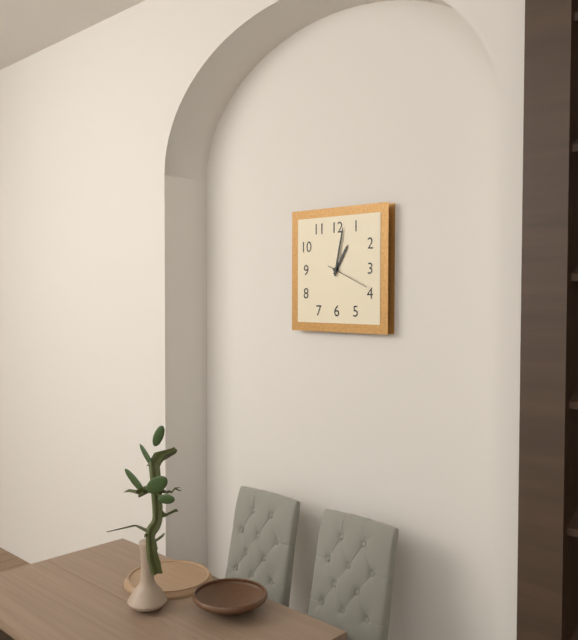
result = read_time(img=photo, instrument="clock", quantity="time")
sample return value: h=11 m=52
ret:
h=1 m=2
